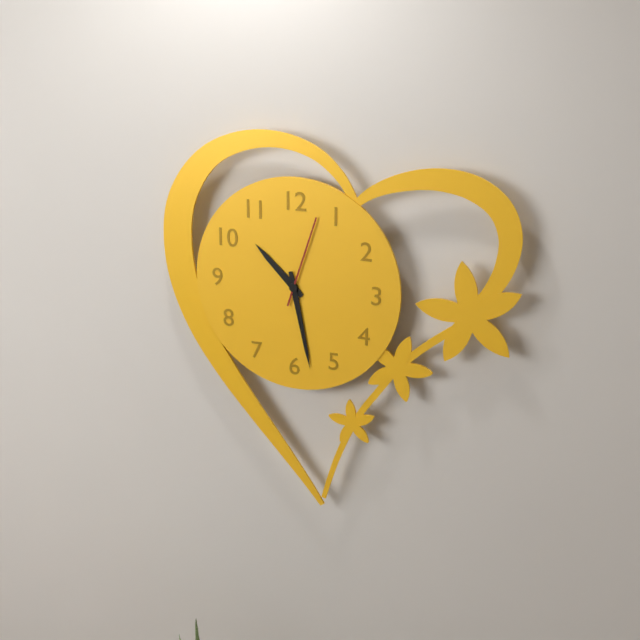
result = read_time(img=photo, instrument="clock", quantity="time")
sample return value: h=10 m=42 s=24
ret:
h=10 m=28 s=3
